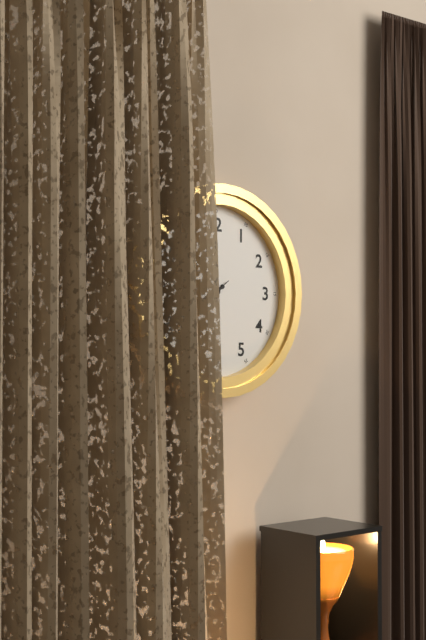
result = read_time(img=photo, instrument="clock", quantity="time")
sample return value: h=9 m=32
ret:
h=8 m=0
